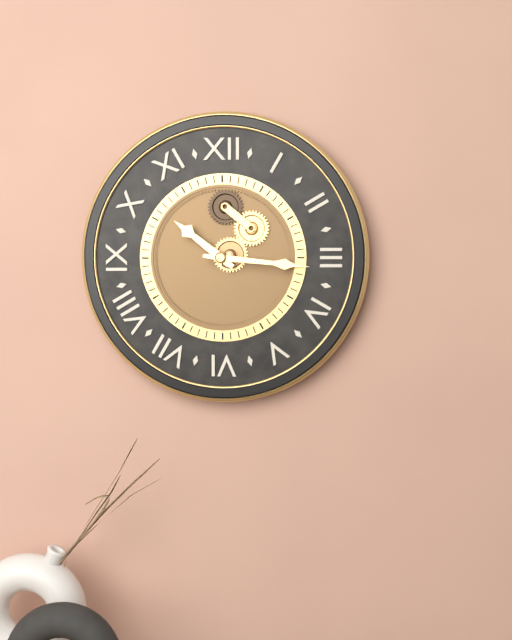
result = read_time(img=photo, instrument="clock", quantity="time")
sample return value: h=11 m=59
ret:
h=10 m=16
